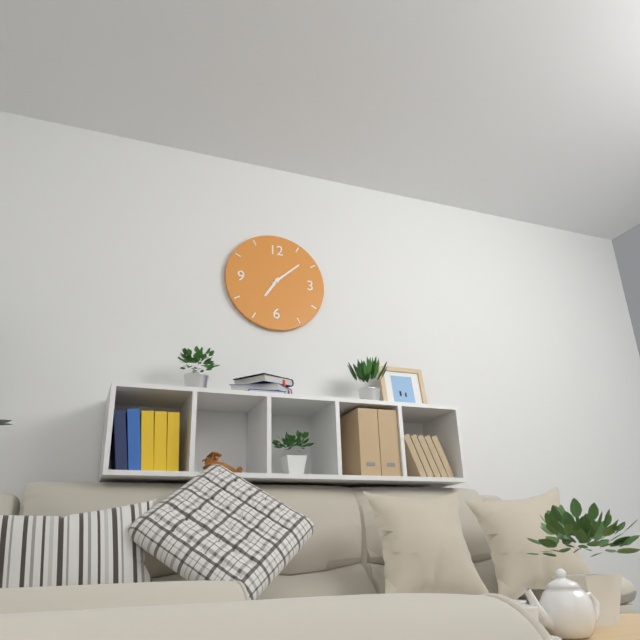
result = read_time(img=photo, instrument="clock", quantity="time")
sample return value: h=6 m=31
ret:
h=7 m=8
